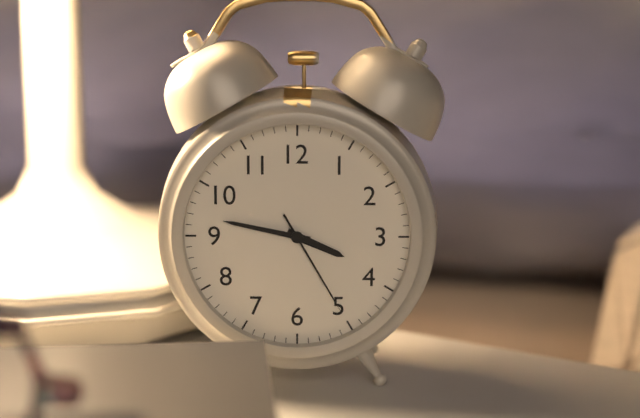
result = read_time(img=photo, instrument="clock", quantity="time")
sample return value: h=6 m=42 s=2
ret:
h=3 m=47 s=25
